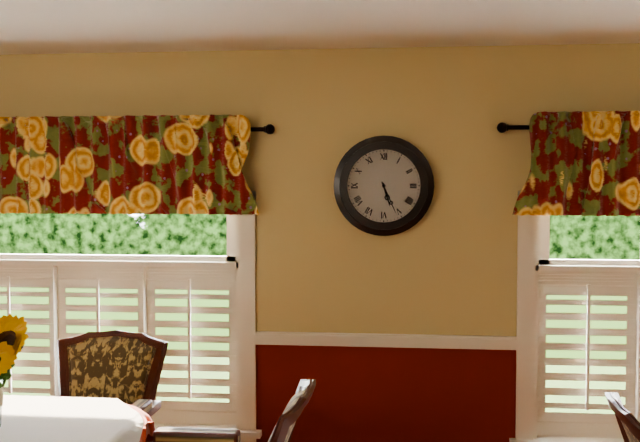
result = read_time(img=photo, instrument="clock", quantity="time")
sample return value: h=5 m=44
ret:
h=5 m=26
